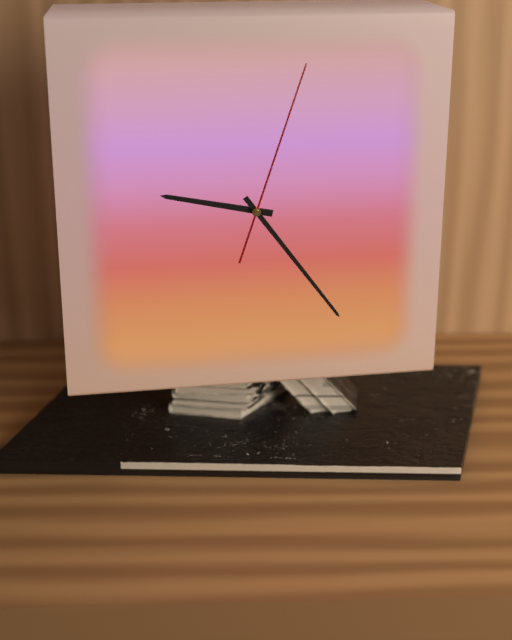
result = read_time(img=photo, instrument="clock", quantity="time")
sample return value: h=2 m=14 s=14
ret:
h=9 m=24 s=3
